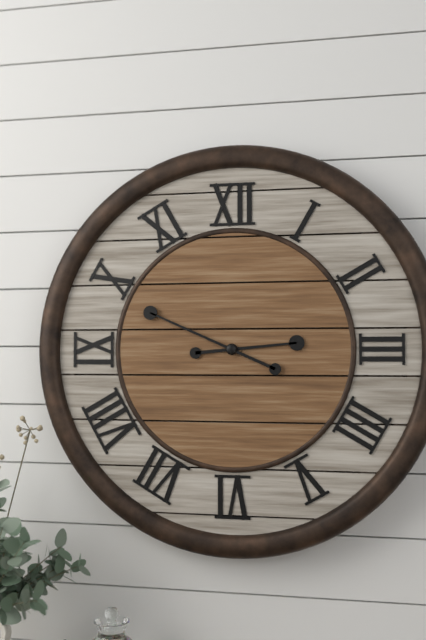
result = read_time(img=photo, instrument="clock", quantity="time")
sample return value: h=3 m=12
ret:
h=2 m=49
